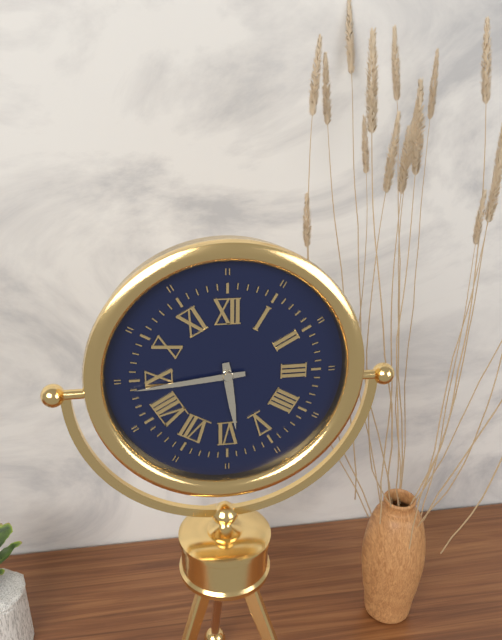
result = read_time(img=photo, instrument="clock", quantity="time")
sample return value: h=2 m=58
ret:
h=5 m=44
